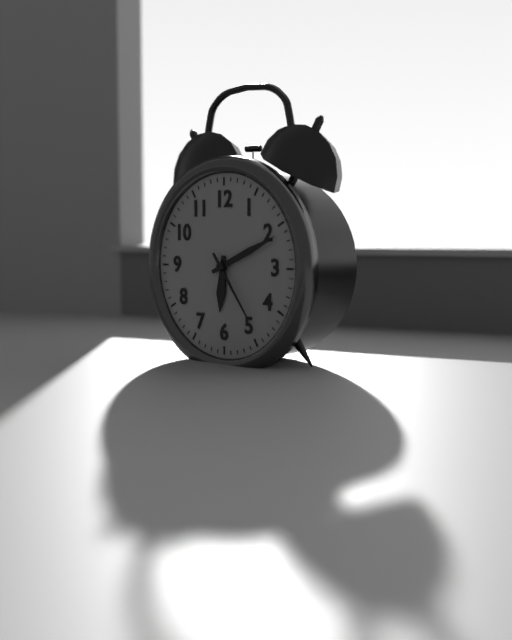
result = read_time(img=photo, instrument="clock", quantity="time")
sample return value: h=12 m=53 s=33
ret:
h=6 m=11 s=24
